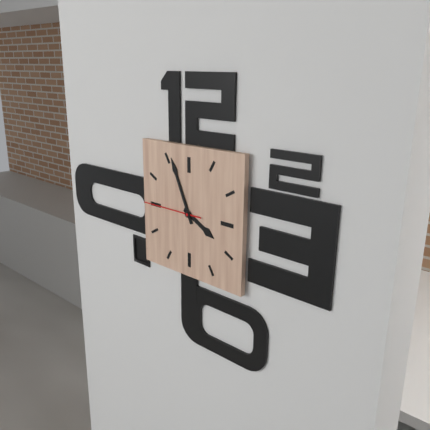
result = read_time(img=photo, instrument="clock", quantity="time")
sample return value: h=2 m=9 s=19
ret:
h=3 m=56 s=45
